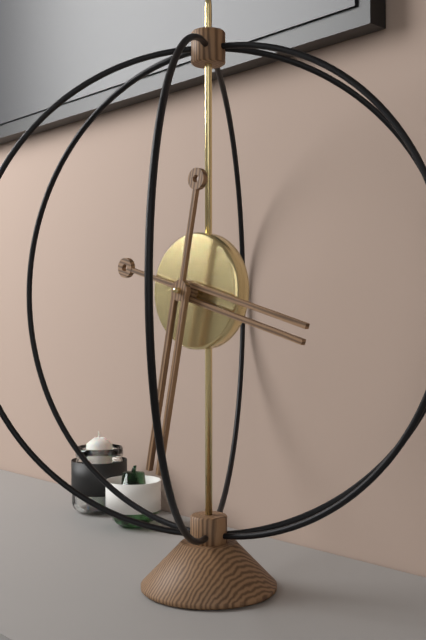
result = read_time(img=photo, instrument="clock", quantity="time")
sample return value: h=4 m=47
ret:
h=3 m=32
